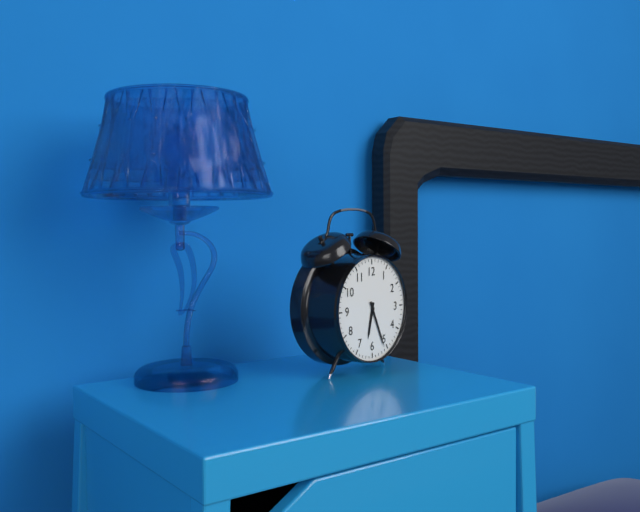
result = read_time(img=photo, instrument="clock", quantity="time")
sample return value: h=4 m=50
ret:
h=6 m=26
